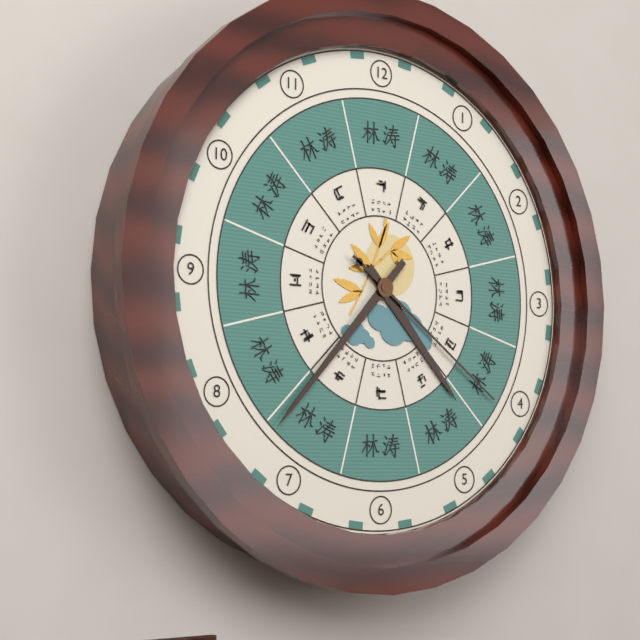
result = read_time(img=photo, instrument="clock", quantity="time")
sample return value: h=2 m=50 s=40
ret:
h=4 m=37 s=21
